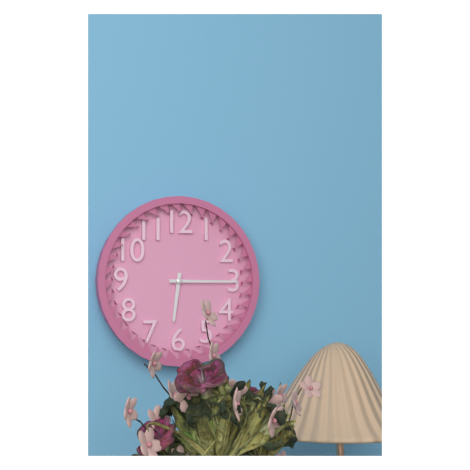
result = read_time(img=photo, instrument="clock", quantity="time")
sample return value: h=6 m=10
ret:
h=6 m=15
